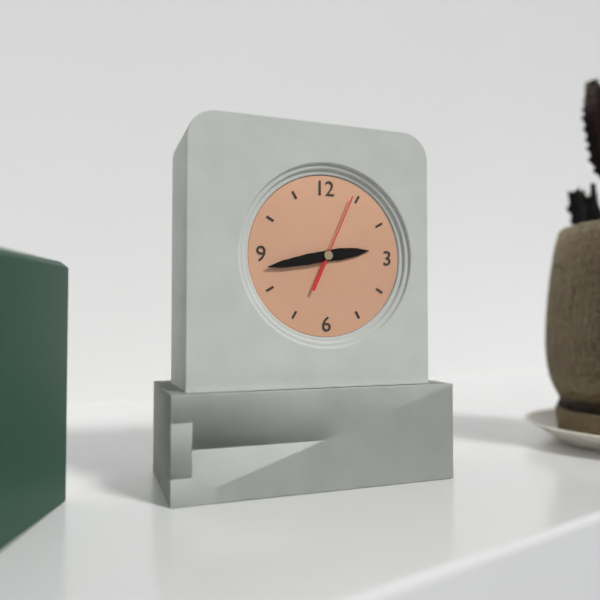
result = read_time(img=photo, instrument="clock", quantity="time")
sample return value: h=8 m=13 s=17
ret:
h=2 m=43 s=4
